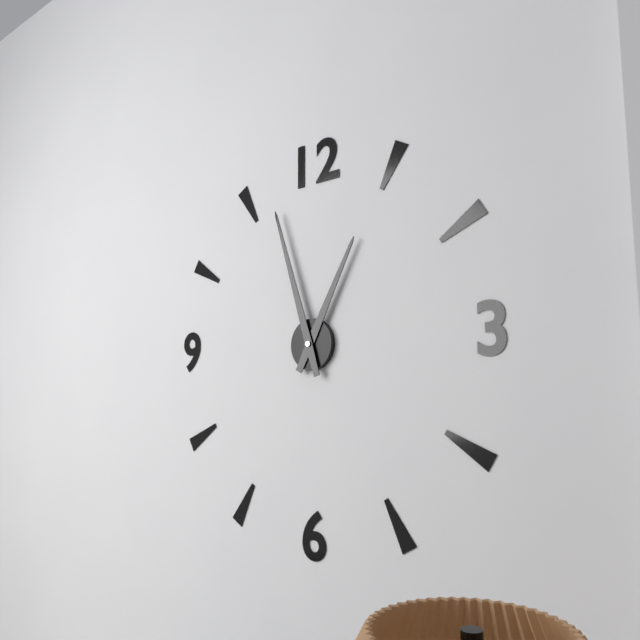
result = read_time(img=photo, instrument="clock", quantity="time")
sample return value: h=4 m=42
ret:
h=12 m=57
